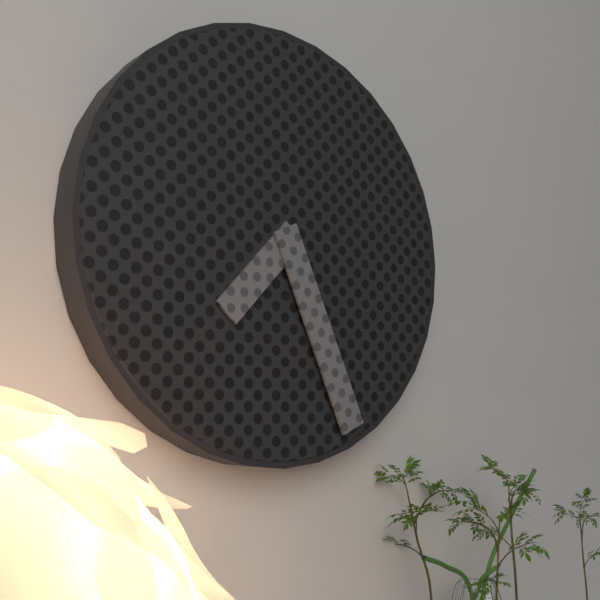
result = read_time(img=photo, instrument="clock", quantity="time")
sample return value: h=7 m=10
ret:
h=7 m=26
